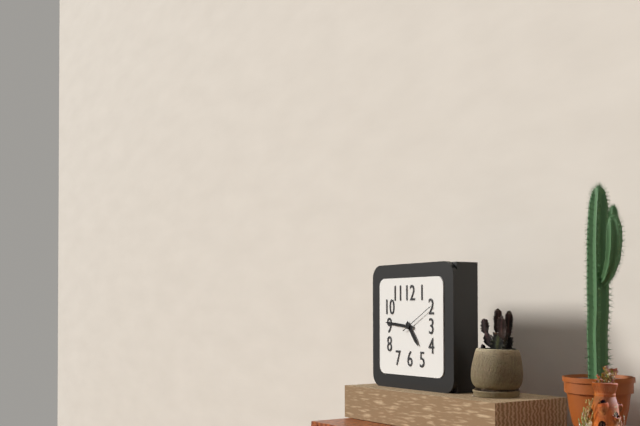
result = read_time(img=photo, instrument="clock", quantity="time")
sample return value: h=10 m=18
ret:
h=4 m=46
